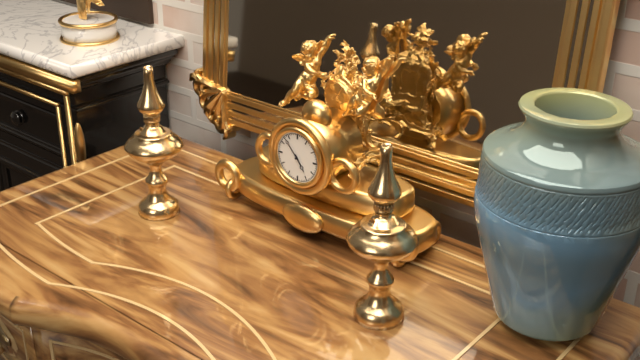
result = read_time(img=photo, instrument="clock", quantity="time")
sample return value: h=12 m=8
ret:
h=4 m=53
